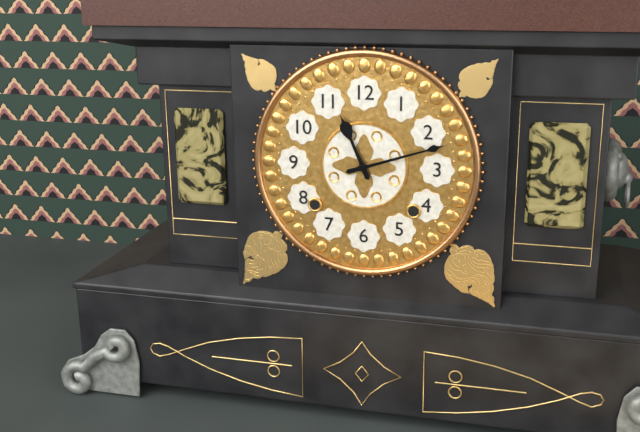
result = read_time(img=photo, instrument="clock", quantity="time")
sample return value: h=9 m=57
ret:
h=11 m=12
